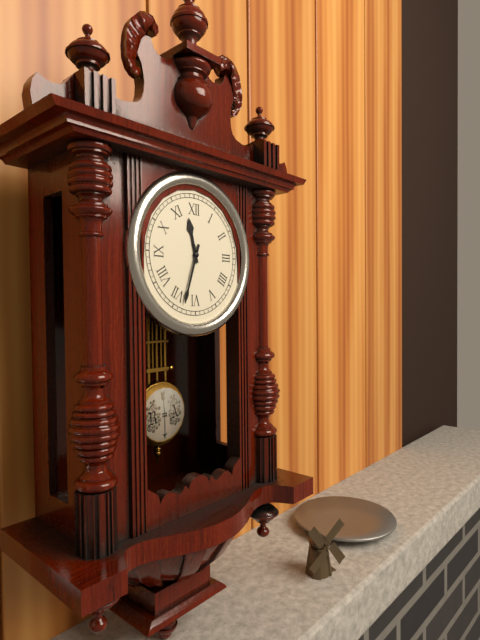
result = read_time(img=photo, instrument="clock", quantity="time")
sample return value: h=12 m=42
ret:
h=11 m=33
